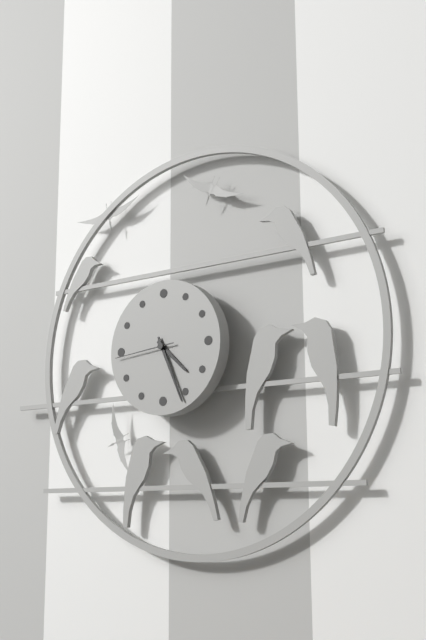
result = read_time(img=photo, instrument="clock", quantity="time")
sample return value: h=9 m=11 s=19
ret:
h=4 m=26 s=44
